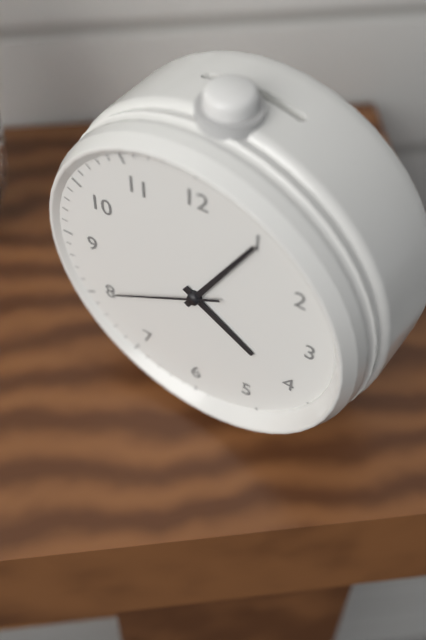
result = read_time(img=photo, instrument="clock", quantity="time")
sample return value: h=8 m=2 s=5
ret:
h=4 m=5 s=40
